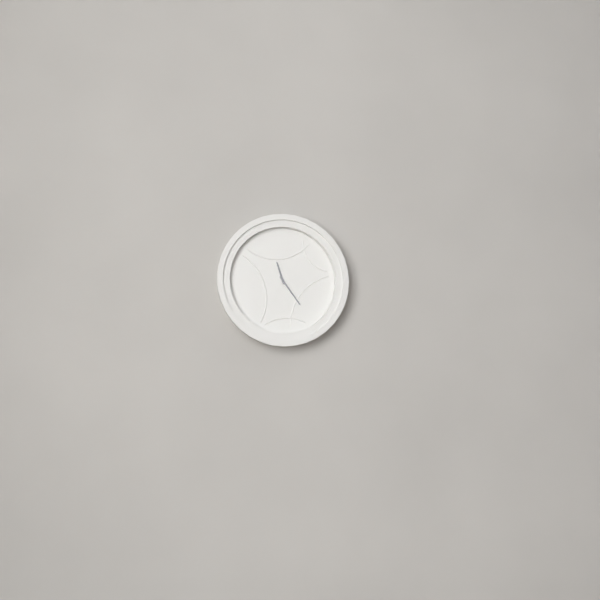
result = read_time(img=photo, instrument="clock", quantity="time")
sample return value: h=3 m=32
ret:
h=11 m=24
